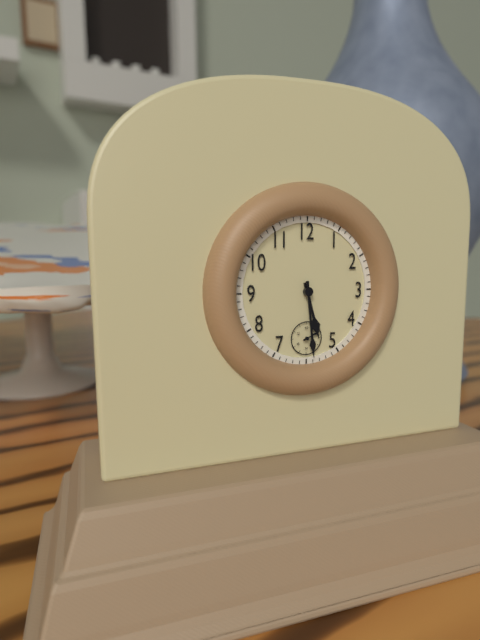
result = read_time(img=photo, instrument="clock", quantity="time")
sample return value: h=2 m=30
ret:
h=5 m=29
